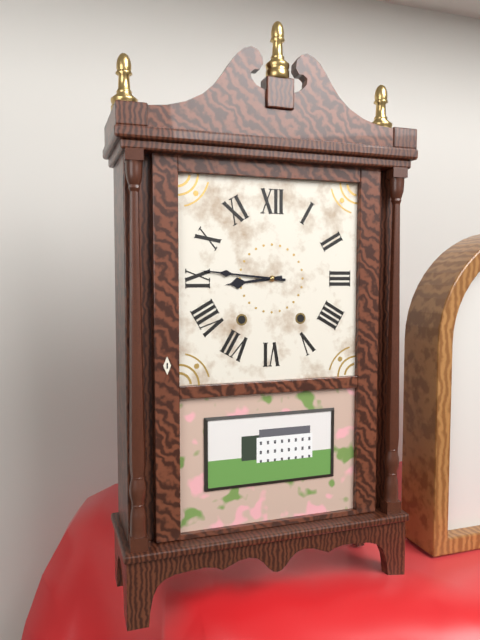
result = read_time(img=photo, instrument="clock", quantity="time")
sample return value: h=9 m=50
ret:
h=8 m=46
